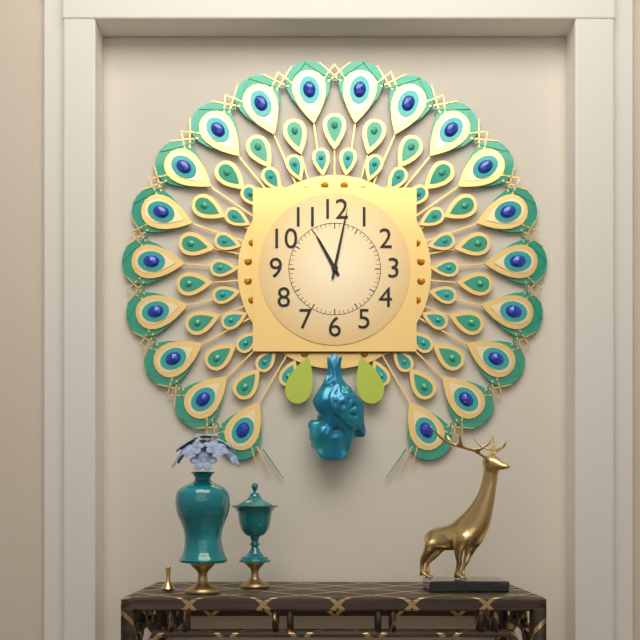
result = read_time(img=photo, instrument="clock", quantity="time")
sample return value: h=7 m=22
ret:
h=11 m=2
